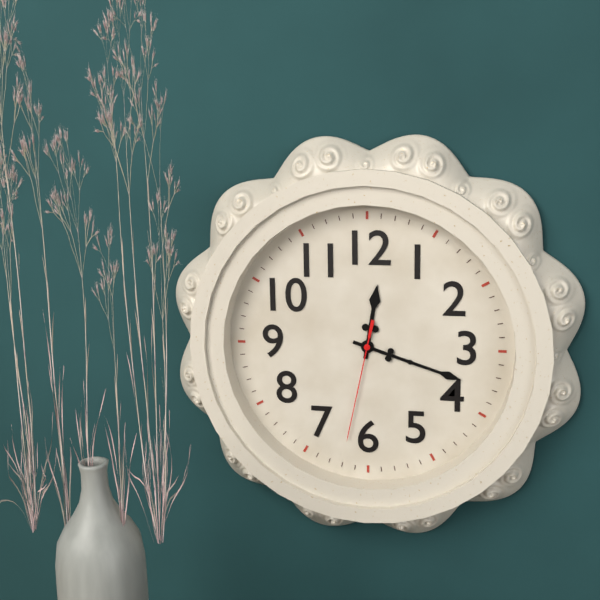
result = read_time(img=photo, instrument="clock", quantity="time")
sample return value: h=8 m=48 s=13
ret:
h=12 m=18 s=32
